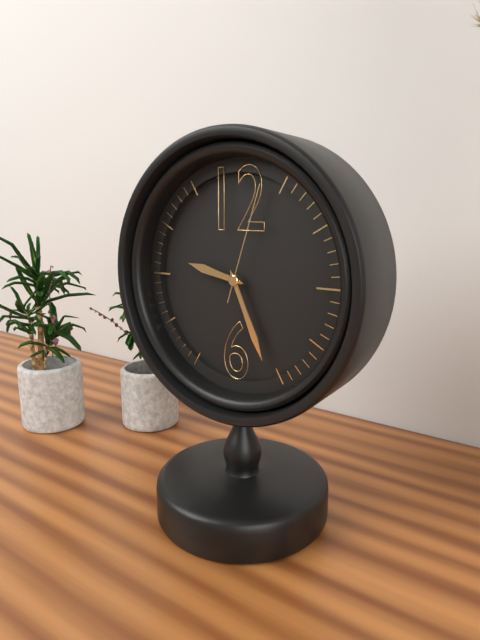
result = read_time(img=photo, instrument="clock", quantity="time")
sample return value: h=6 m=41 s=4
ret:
h=9 m=26 s=3
